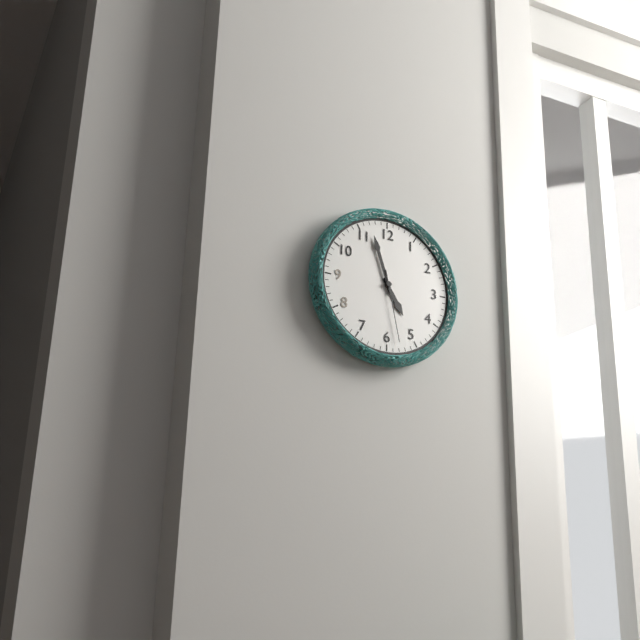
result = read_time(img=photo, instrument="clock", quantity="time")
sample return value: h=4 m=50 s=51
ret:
h=4 m=57 s=28
